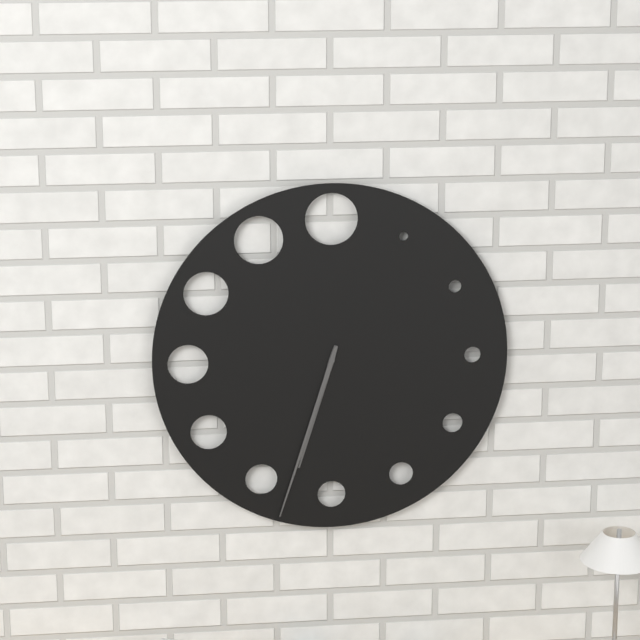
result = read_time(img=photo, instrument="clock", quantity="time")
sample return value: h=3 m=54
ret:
h=6 m=33
